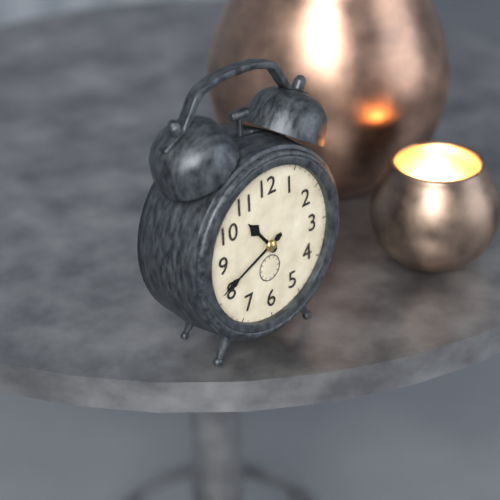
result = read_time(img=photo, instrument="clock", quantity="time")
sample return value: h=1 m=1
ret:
h=10 m=41
